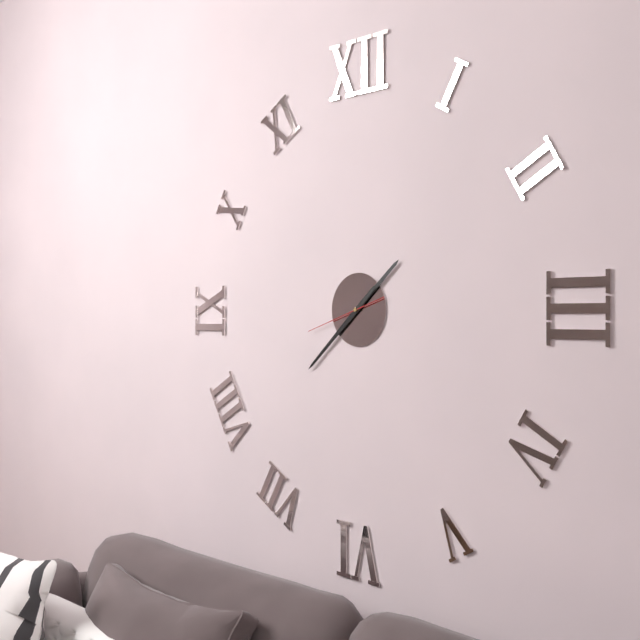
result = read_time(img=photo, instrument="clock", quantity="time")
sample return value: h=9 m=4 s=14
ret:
h=1 m=38 s=42
